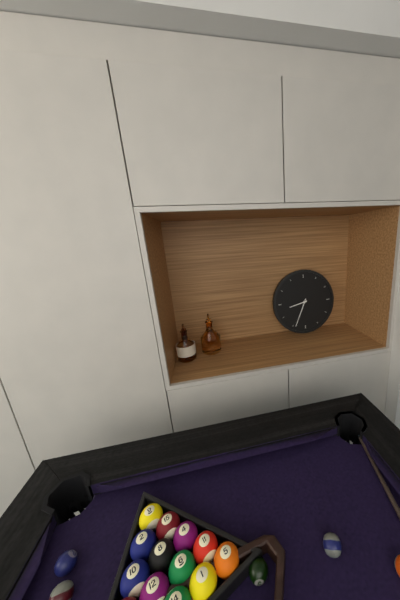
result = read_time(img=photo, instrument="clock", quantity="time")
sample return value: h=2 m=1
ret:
h=8 m=34
